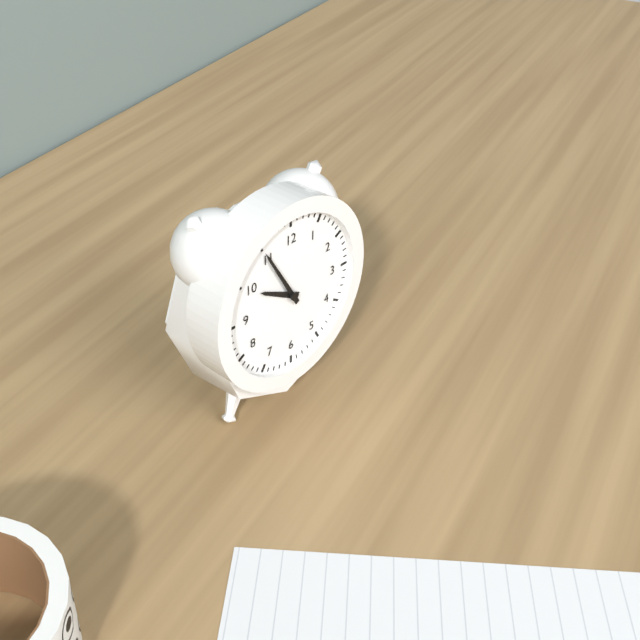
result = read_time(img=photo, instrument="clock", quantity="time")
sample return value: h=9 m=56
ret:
h=9 m=55
